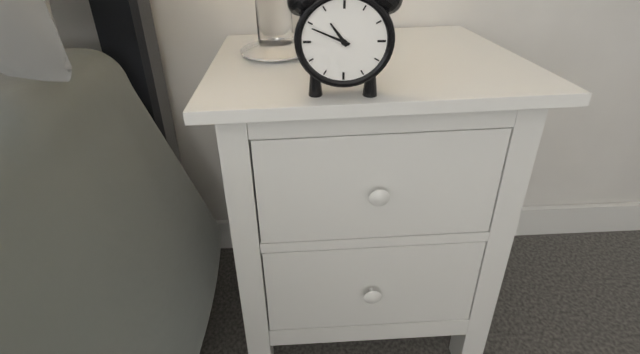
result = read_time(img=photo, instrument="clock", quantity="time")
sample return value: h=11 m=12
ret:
h=10 m=49
